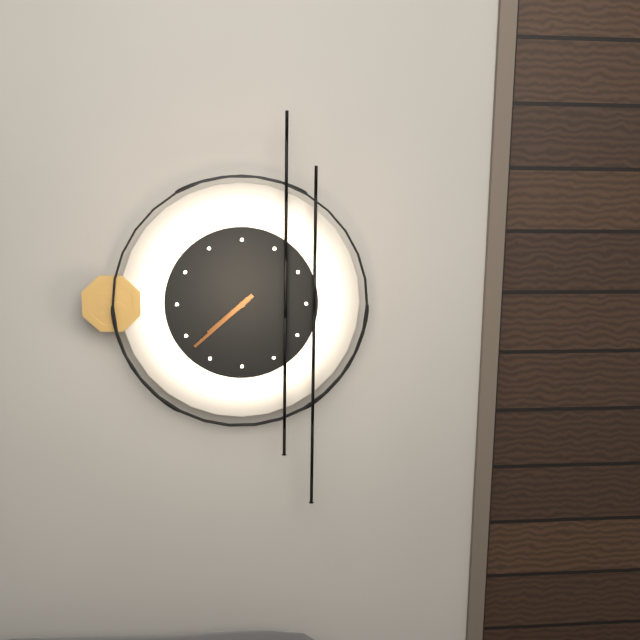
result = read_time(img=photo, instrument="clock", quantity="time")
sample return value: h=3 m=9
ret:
h=7 m=38
